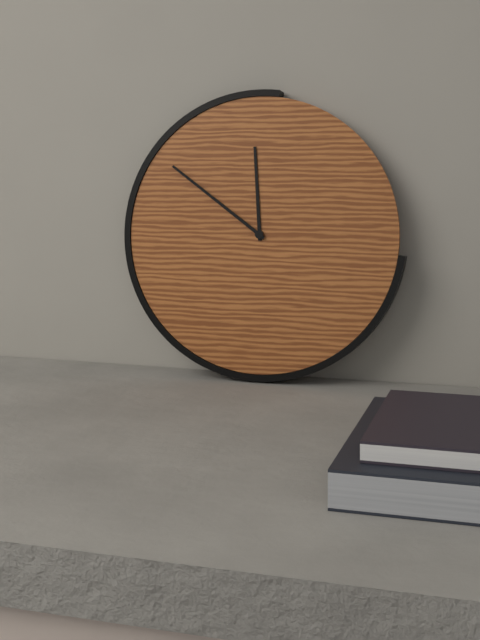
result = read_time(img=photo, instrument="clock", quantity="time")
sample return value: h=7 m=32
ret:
h=11 m=51
